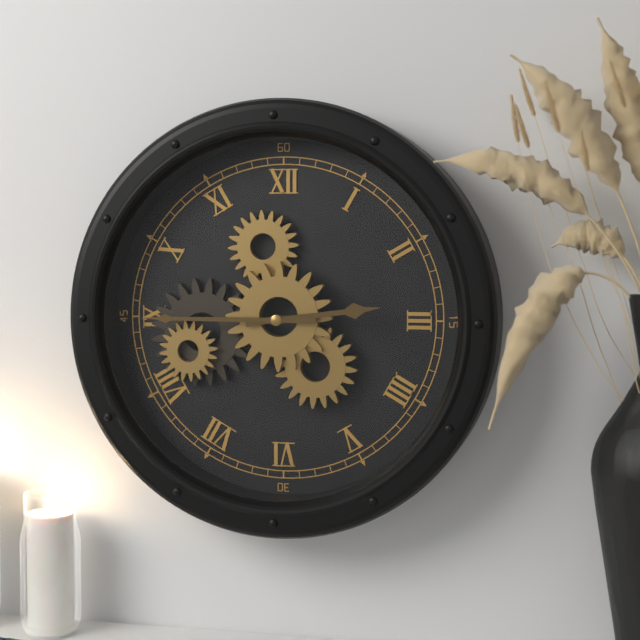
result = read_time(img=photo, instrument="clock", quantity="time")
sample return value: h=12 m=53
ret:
h=2 m=45
